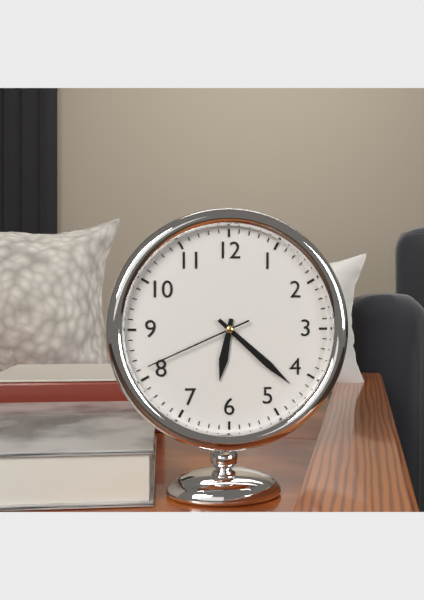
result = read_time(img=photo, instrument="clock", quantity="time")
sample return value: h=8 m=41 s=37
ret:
h=6 m=22 s=41
